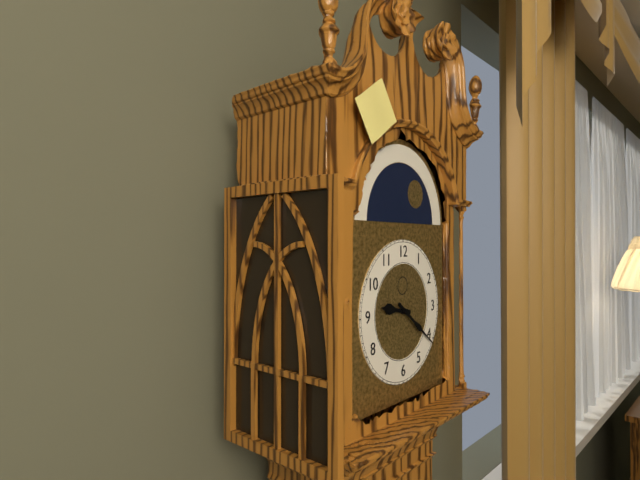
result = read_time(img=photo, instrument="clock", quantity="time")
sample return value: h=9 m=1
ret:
h=9 m=21
